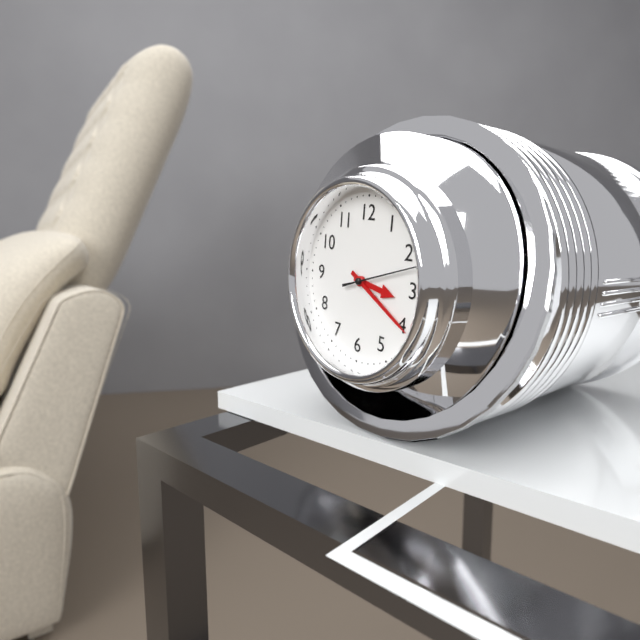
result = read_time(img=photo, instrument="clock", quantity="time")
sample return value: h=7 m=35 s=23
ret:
h=3 m=20 s=12
